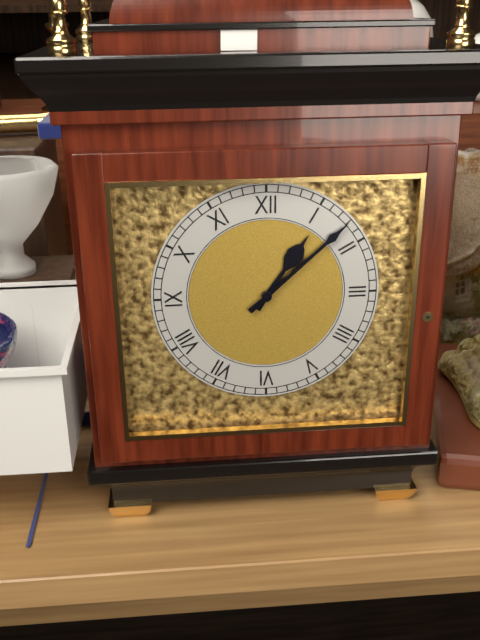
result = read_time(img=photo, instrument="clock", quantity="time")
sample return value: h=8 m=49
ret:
h=1 m=8
